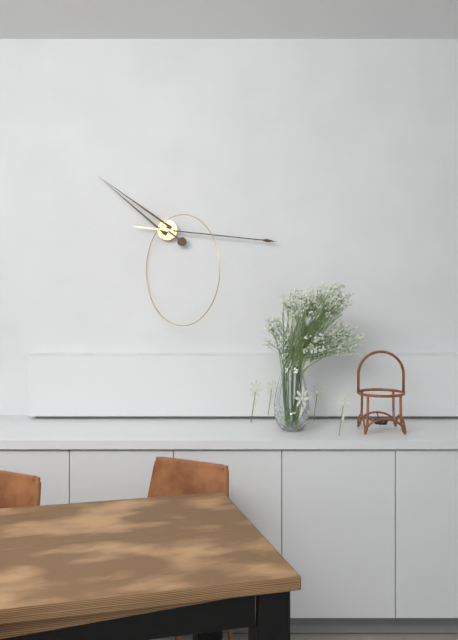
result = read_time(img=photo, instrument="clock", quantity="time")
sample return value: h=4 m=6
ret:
h=10 m=16
